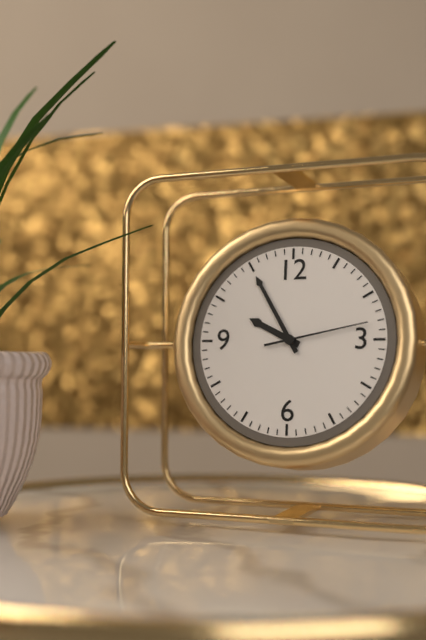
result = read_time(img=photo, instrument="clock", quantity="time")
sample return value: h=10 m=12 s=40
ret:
h=9 m=55 s=13
